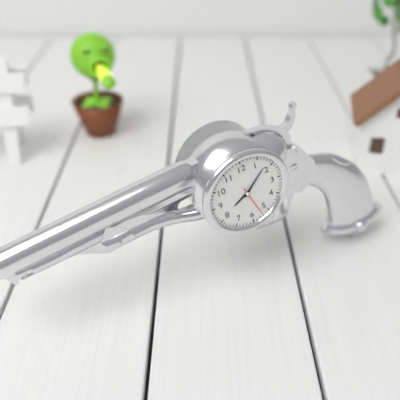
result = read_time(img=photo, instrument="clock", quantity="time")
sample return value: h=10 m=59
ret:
h=8 m=8
